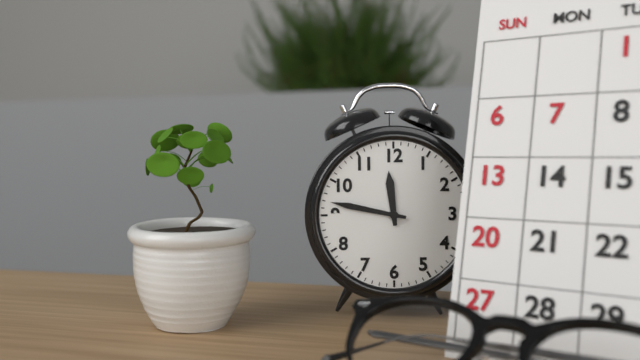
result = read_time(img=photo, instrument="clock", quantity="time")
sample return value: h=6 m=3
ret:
h=11 m=47
